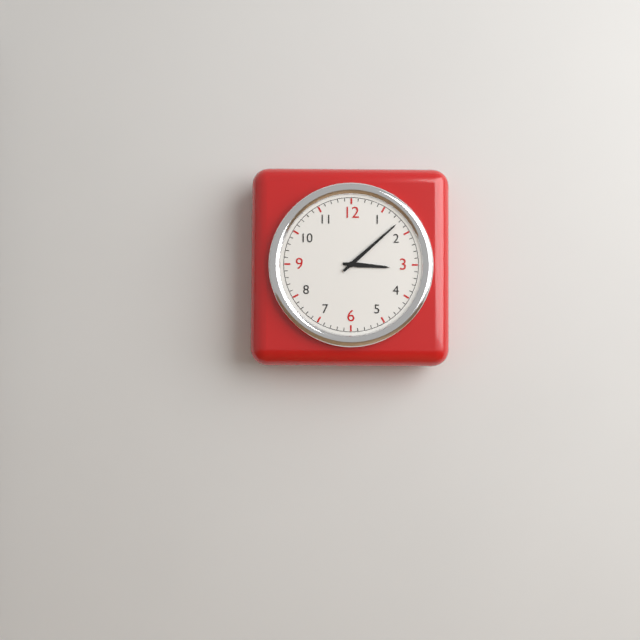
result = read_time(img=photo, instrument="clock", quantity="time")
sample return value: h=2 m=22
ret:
h=3 m=8
